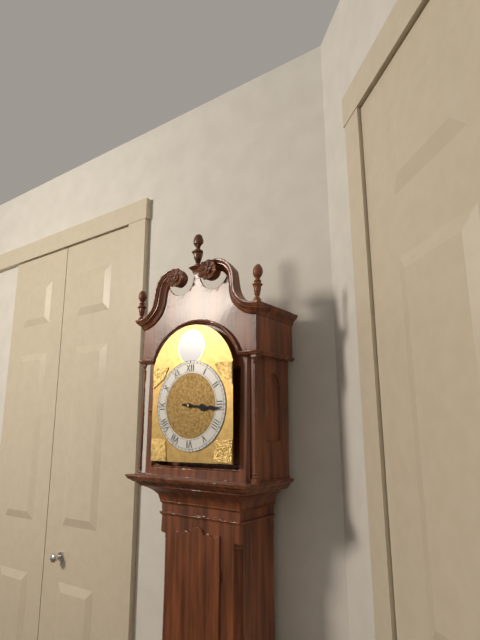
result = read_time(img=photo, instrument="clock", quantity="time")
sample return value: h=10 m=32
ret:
h=3 m=16
